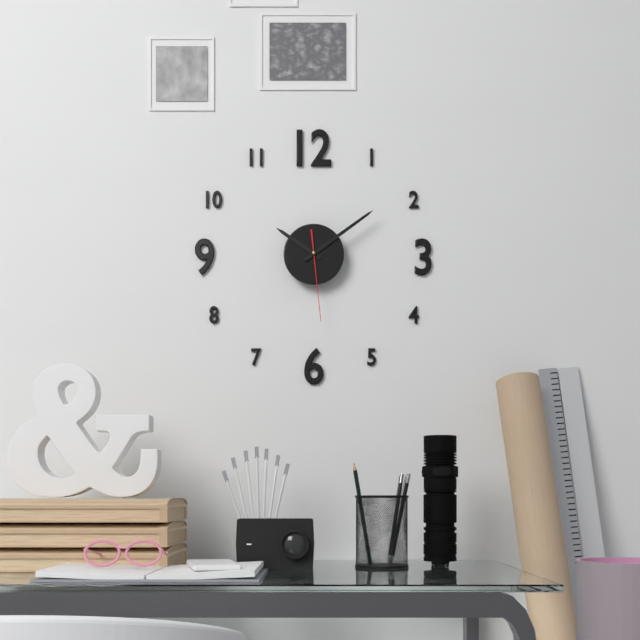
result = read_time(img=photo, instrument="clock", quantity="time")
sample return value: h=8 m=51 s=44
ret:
h=10 m=9 s=29
